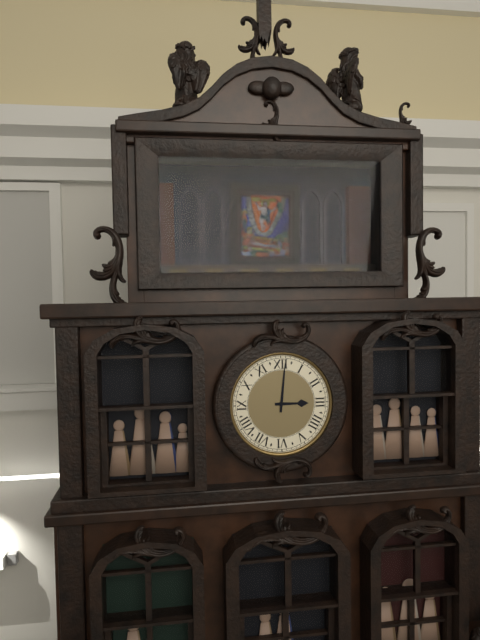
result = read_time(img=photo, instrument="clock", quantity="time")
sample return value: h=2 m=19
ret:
h=3 m=1
